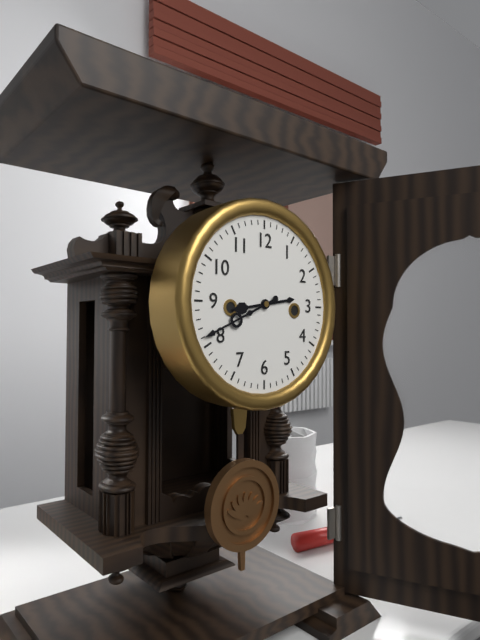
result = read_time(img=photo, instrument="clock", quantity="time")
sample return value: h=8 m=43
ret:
h=8 m=41
